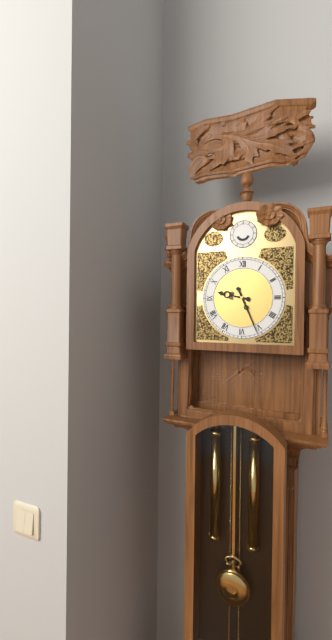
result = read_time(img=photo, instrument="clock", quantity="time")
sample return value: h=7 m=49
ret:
h=9 m=26
